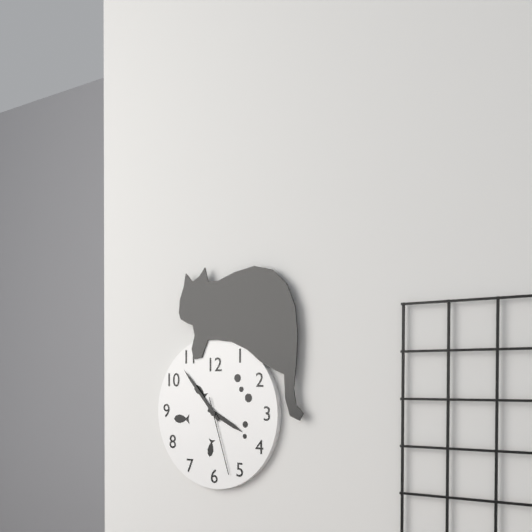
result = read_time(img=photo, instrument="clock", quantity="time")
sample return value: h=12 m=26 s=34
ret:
h=3 m=53 s=27
